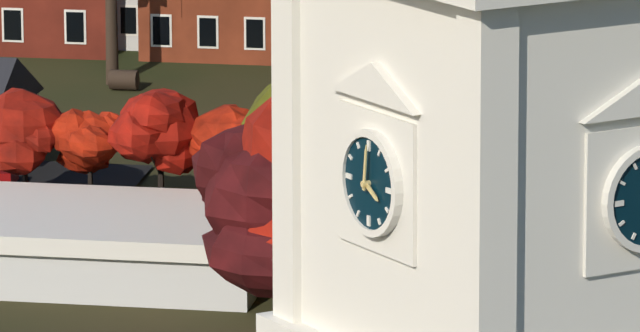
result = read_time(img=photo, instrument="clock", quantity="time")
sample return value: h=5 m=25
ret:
h=4 m=1
